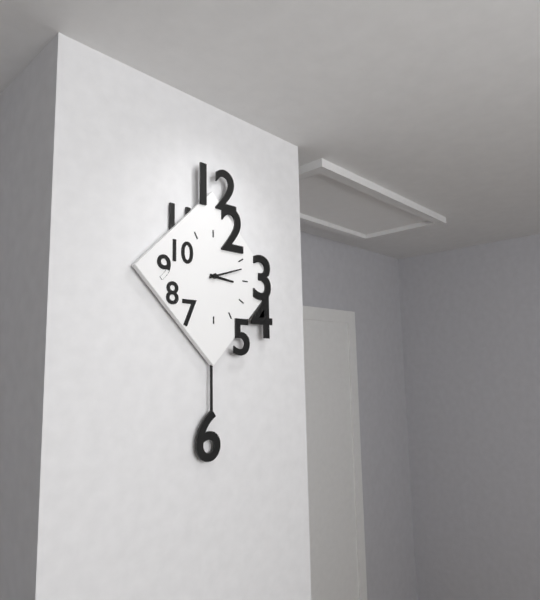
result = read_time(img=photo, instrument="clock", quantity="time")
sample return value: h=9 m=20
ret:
h=3 m=12
